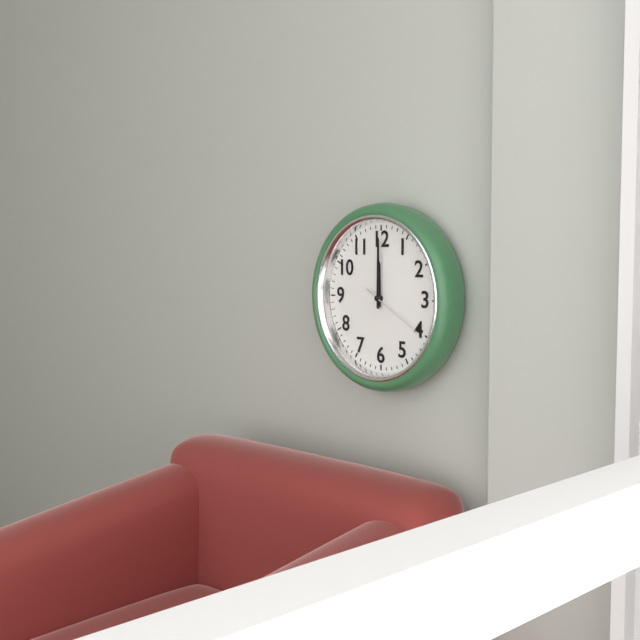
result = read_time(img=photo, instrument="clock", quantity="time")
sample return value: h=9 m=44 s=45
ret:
h=12 m=0 s=20
